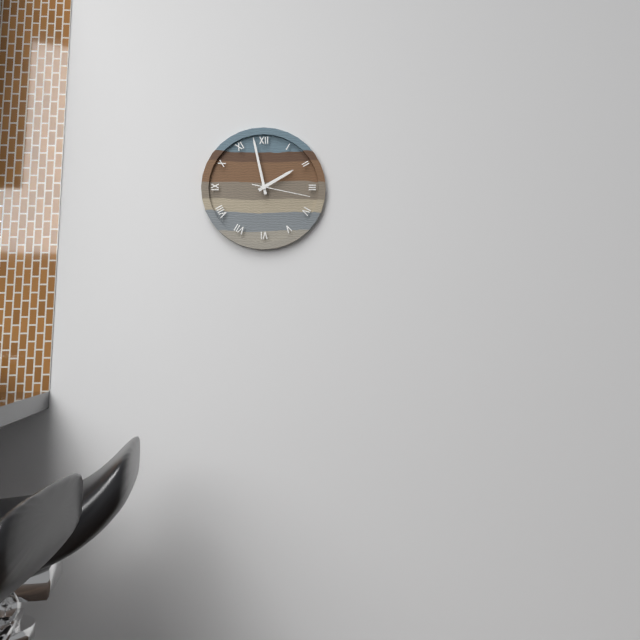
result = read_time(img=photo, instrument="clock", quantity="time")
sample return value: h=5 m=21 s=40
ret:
h=1 m=58 s=17
